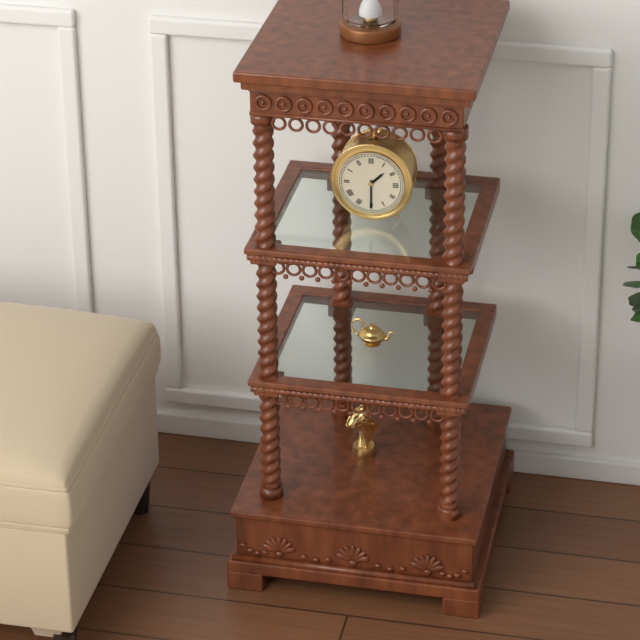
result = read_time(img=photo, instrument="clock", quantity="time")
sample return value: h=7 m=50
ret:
h=1 m=30
